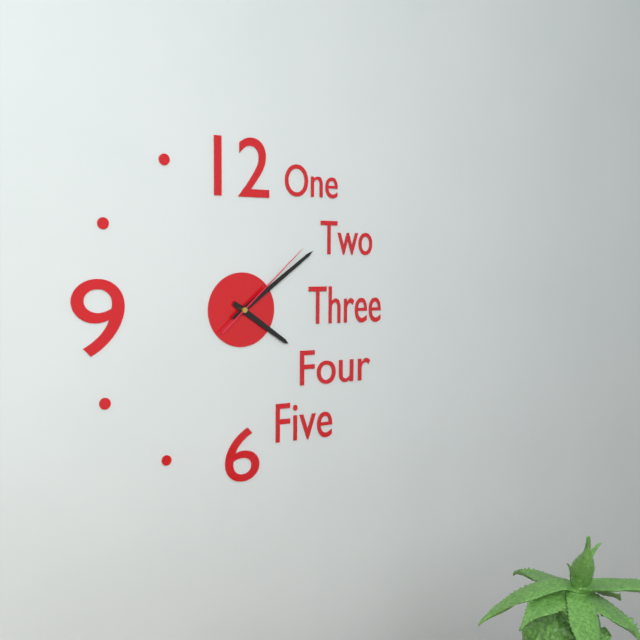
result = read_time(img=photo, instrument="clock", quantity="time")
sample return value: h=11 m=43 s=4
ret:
h=4 m=9 s=8
